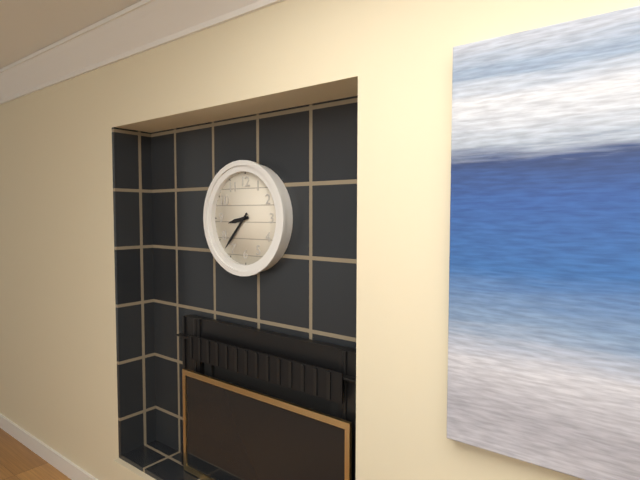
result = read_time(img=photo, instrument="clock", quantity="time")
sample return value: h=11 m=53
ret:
h=8 m=37
